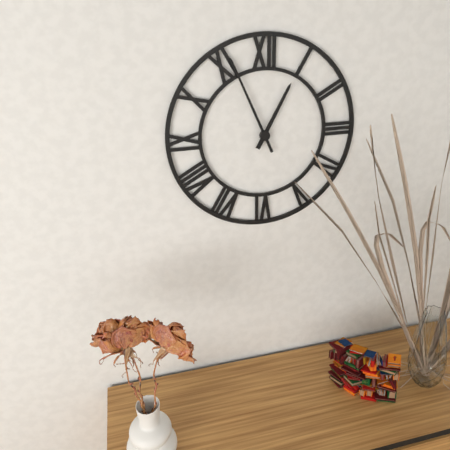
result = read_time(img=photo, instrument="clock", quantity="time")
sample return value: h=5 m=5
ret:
h=12 m=56
